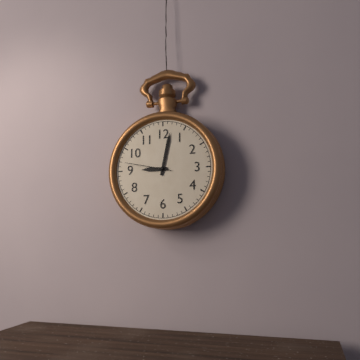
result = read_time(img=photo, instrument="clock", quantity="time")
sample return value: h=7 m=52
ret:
h=9 m=2
